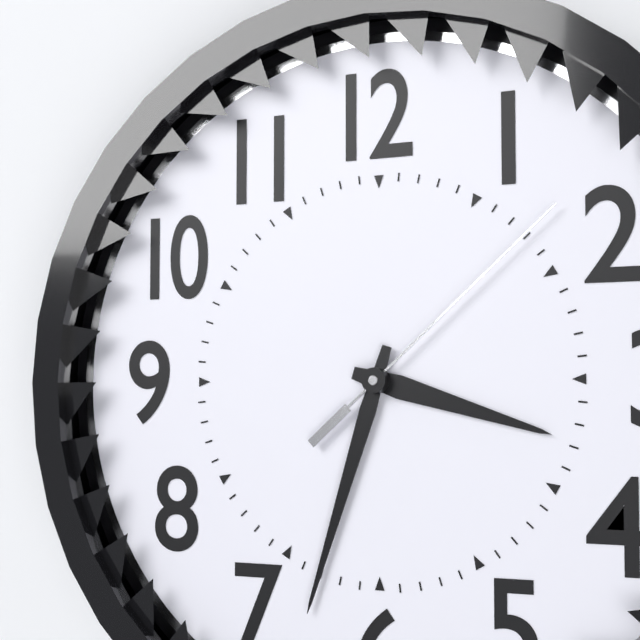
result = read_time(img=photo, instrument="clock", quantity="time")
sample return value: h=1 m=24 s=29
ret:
h=3 m=33 s=8
